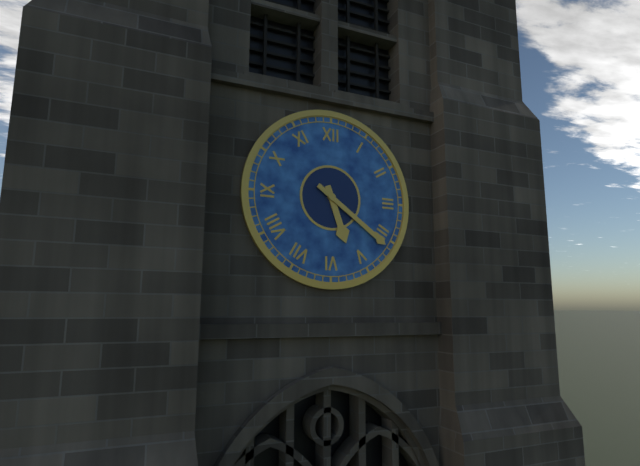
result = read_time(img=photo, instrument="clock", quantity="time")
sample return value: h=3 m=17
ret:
h=5 m=21
